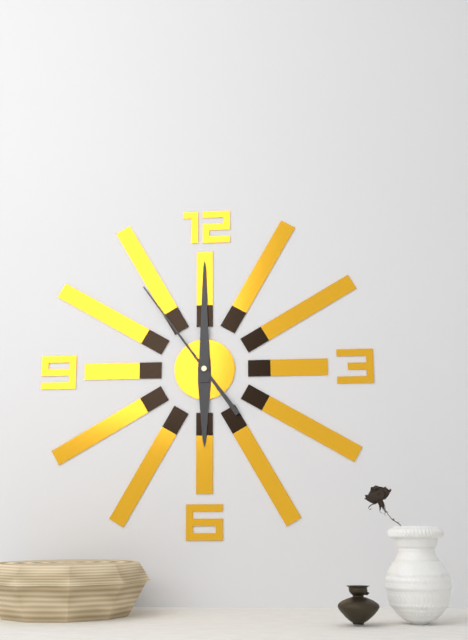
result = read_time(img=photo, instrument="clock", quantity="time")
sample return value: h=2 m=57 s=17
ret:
h=6 m=0 s=54
